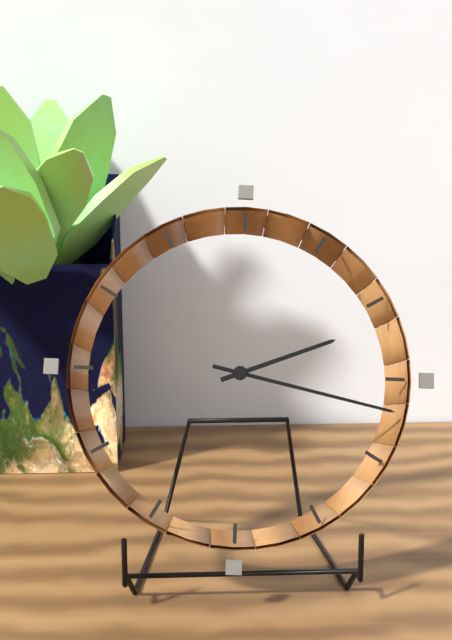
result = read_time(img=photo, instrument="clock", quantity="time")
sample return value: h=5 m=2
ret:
h=2 m=17
